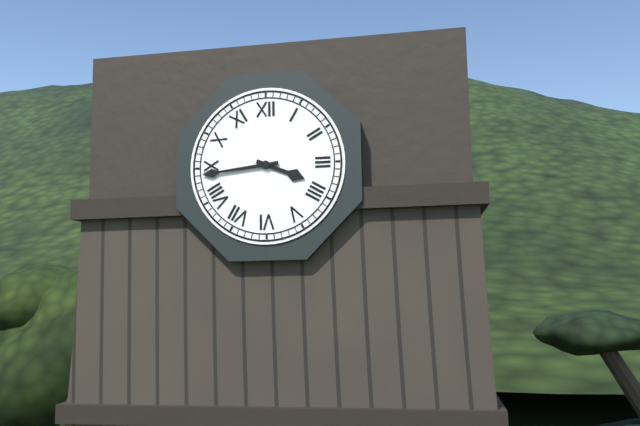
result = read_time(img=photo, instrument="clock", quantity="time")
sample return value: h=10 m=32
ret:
h=3 m=44
